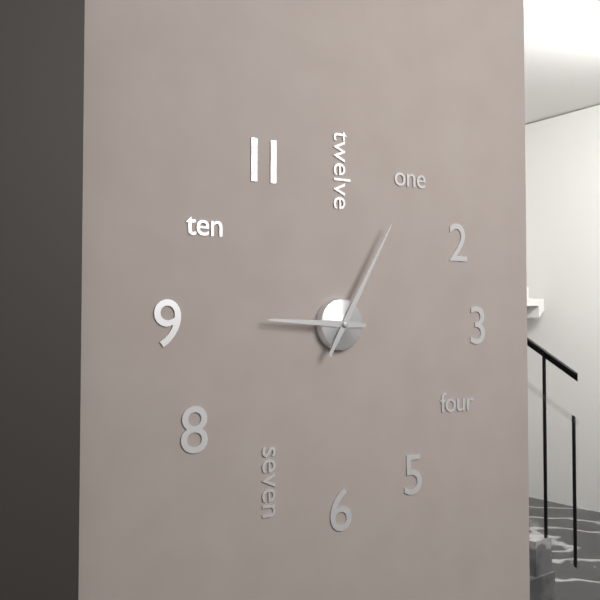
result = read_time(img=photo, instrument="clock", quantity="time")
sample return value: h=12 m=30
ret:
h=9 m=5
